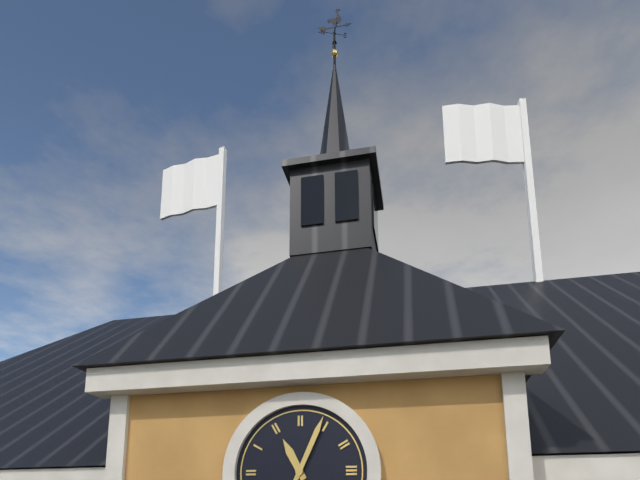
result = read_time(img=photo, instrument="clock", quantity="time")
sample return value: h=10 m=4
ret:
h=11 m=4
